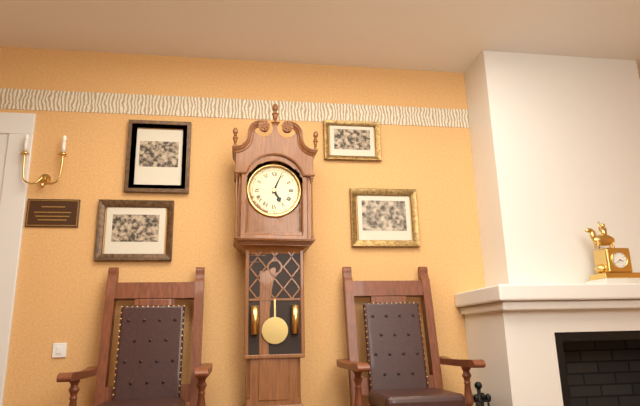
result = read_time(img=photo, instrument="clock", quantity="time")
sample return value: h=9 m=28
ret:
h=5 m=4
